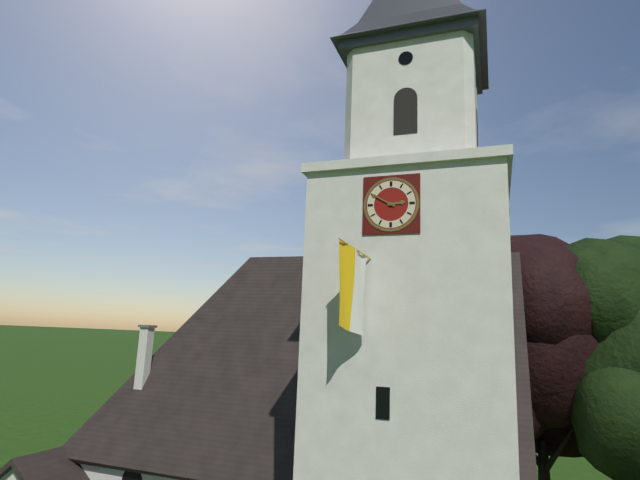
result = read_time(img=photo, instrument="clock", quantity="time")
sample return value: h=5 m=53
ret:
h=2 m=50
